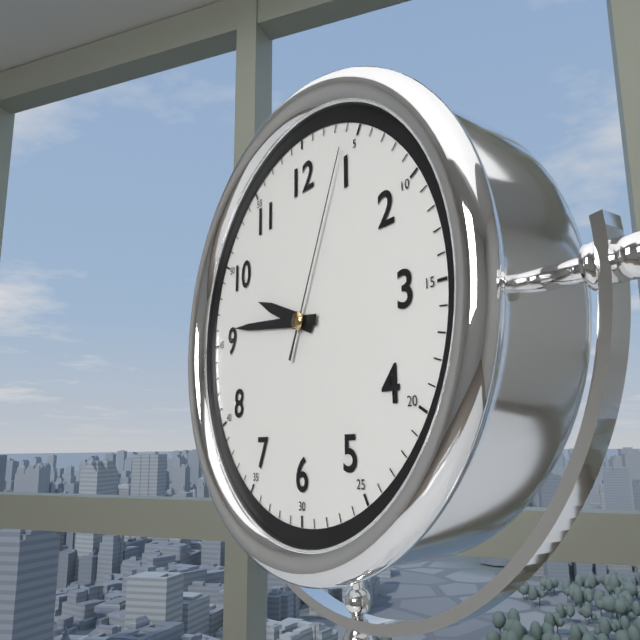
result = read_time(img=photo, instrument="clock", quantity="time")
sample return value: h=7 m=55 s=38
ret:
h=9 m=46 s=4
